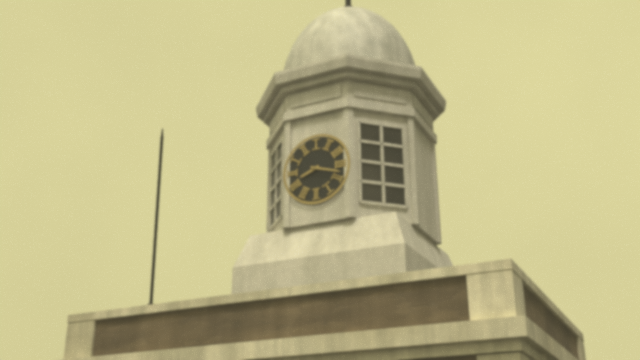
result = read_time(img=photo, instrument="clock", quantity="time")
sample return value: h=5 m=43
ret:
h=8 m=18
